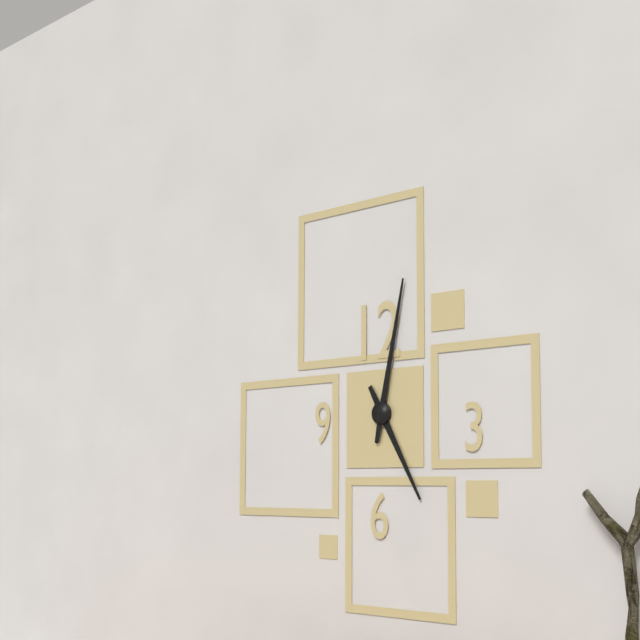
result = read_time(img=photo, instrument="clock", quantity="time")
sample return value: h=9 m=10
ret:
h=5 m=2
